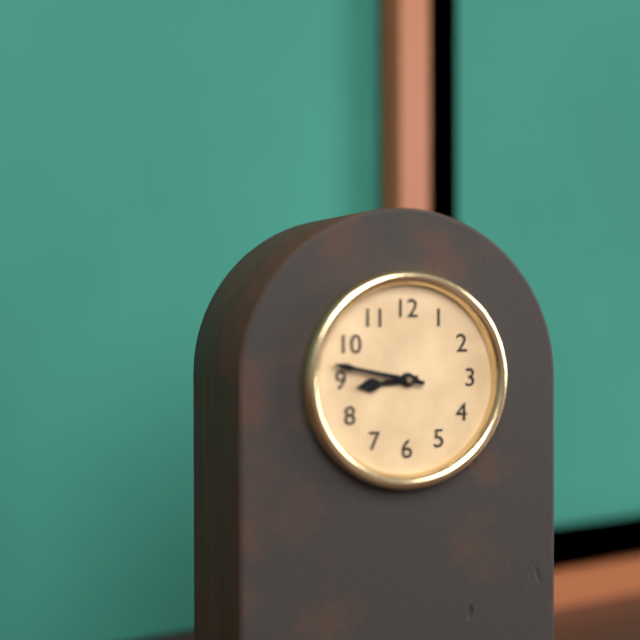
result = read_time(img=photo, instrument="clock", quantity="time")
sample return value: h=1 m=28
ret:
h=8 m=47
